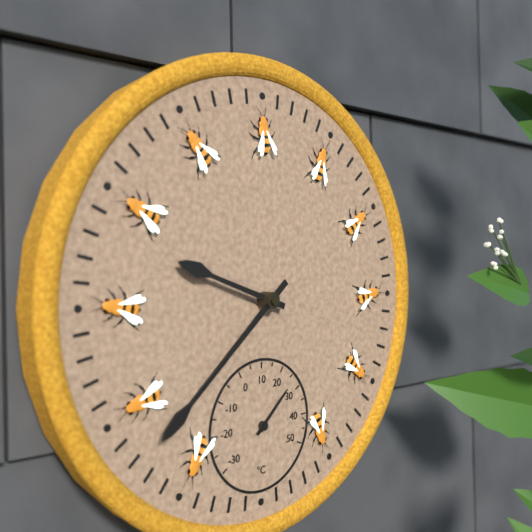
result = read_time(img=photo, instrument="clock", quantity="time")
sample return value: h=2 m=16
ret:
h=9 m=38
